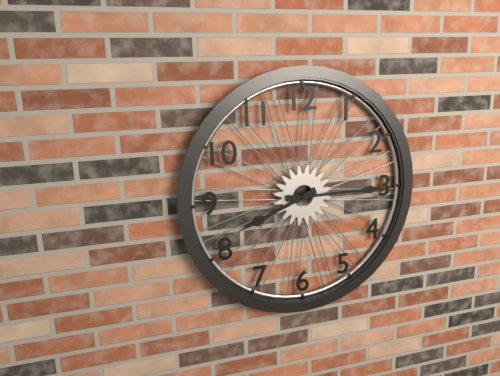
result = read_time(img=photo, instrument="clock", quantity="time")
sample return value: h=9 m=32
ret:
h=8 m=15
